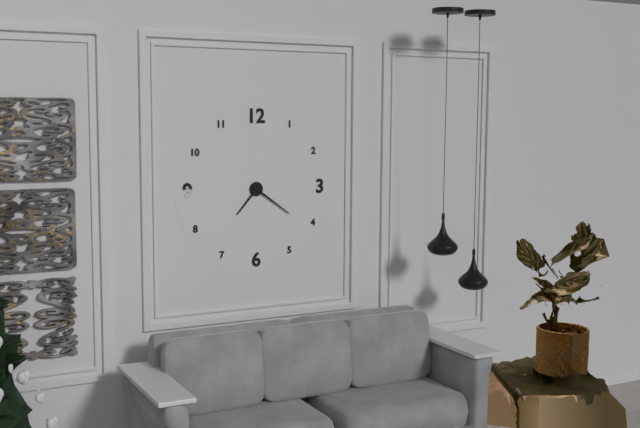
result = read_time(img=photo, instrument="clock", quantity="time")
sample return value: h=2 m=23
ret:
h=7 m=21
